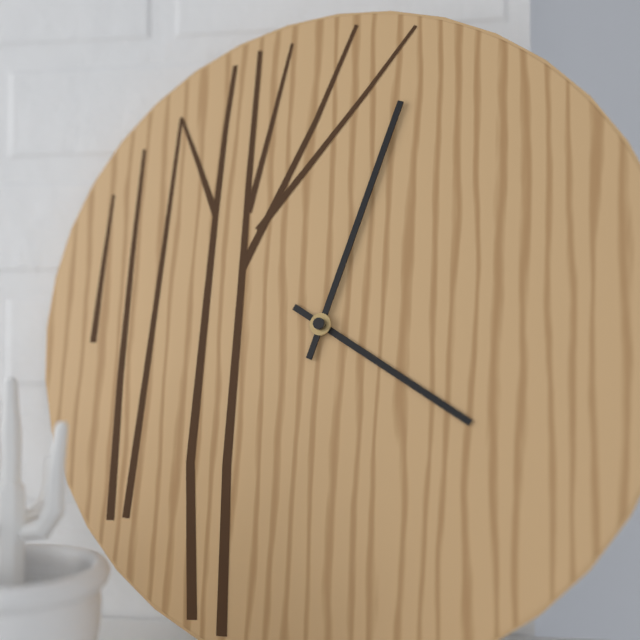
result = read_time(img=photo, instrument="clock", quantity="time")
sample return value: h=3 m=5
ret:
h=4 m=3
